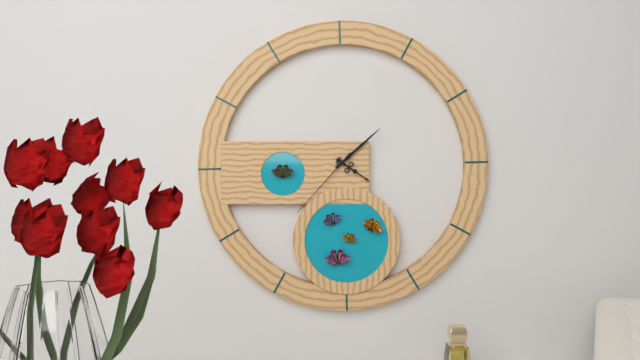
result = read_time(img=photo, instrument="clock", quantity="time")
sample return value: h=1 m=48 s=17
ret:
h=4 m=8 s=37
